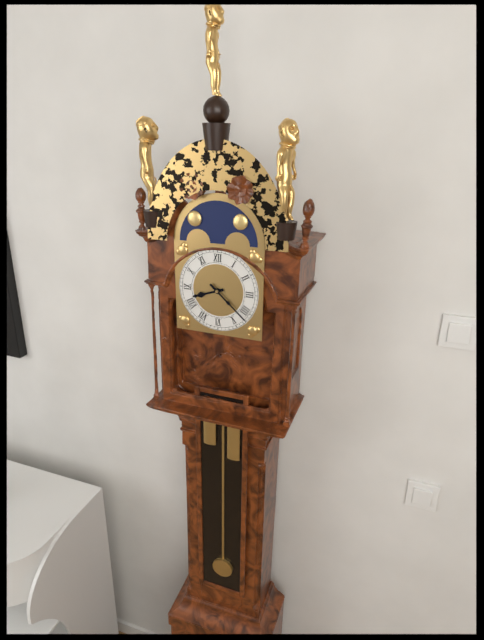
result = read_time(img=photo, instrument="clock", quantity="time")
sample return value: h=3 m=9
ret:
h=8 m=22
